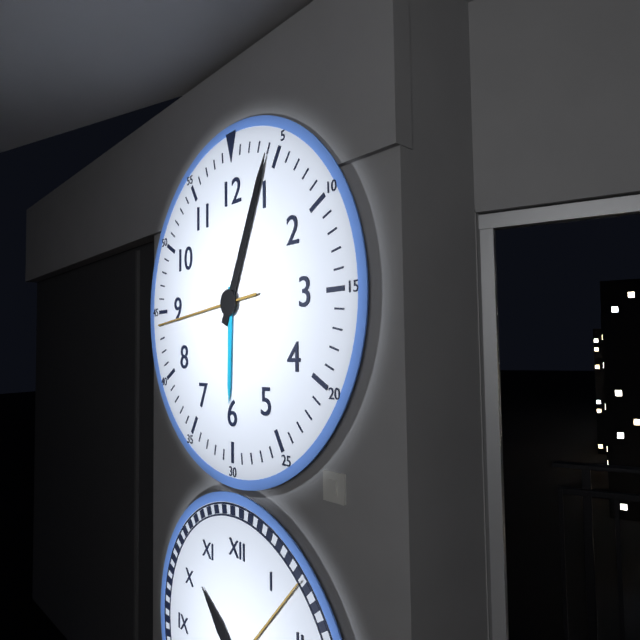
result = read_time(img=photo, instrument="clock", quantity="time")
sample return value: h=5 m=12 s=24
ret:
h=6 m=4 s=44
